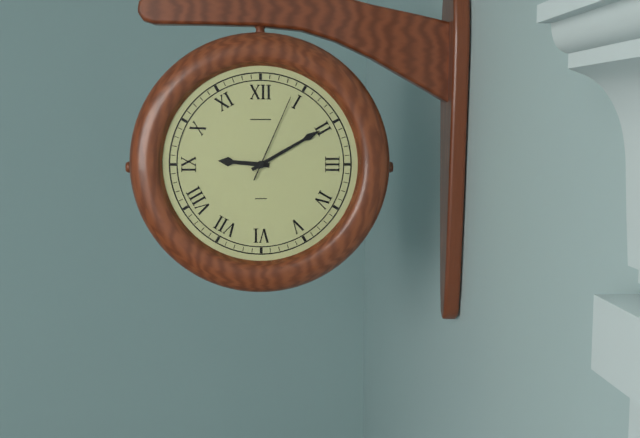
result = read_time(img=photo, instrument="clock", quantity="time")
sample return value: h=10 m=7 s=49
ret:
h=9 m=10 s=4
